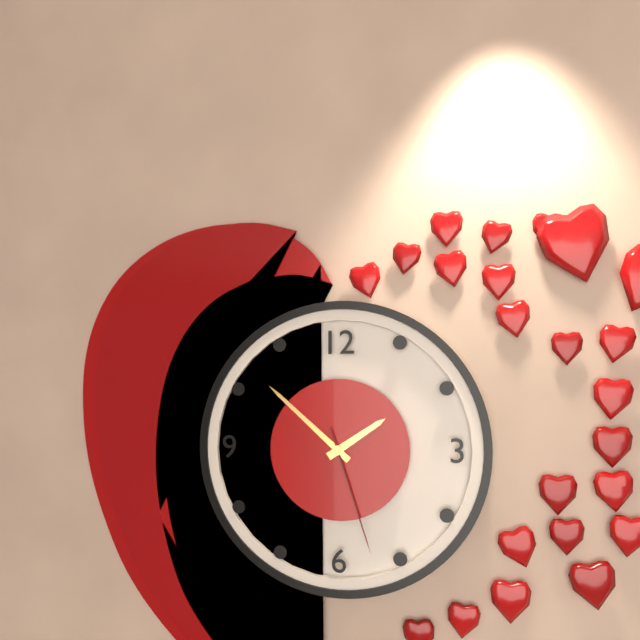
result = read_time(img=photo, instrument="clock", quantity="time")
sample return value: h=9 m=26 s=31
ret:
h=1 m=52 s=27
